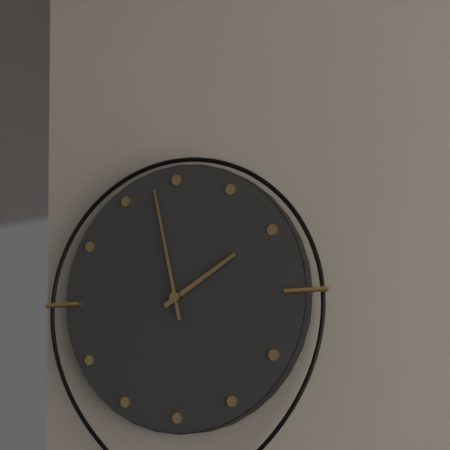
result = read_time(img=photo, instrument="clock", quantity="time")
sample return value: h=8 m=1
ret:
h=1 m=58
